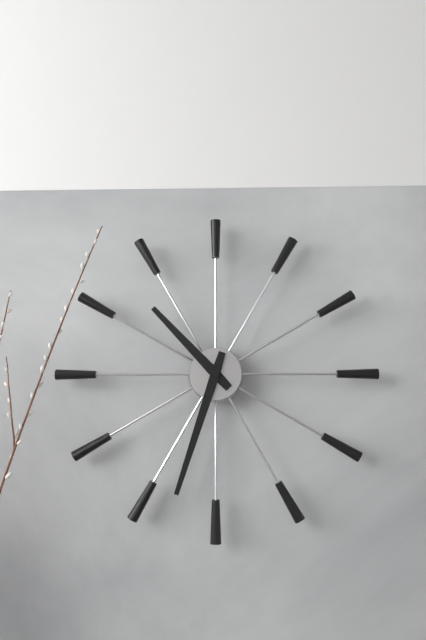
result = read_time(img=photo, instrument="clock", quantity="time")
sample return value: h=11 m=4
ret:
h=10 m=33
